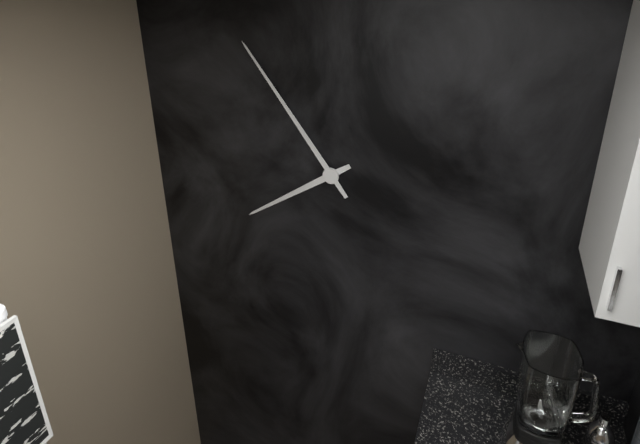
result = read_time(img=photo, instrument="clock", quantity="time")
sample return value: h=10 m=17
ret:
h=7 m=54
